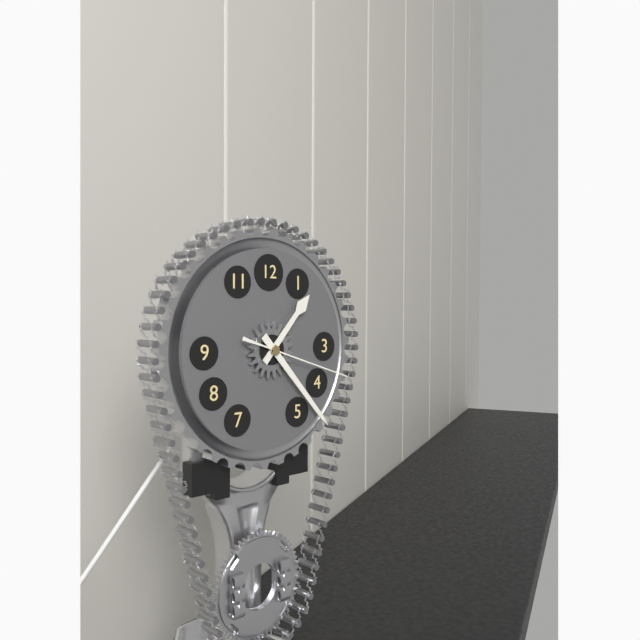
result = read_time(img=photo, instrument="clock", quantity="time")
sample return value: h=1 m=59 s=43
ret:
h=1 m=23 s=18
